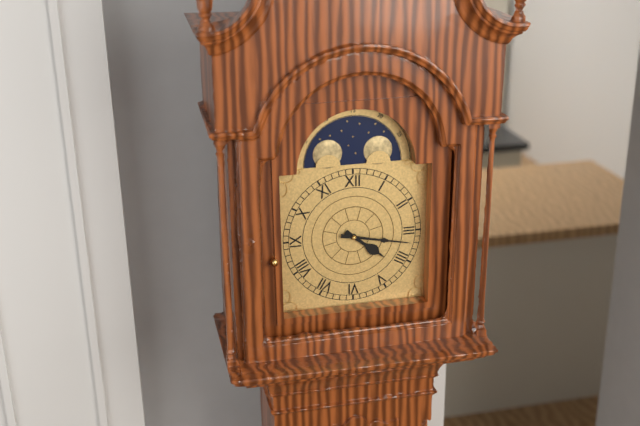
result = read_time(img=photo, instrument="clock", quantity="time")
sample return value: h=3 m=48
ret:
h=4 m=17
